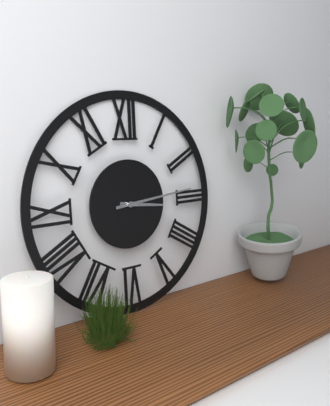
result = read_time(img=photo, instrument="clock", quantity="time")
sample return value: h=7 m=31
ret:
h=3 m=14
